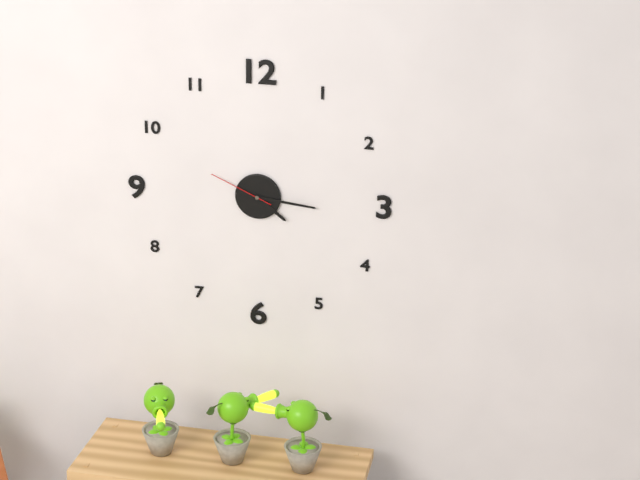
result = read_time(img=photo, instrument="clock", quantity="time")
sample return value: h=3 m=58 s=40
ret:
h=4 m=16 s=49
